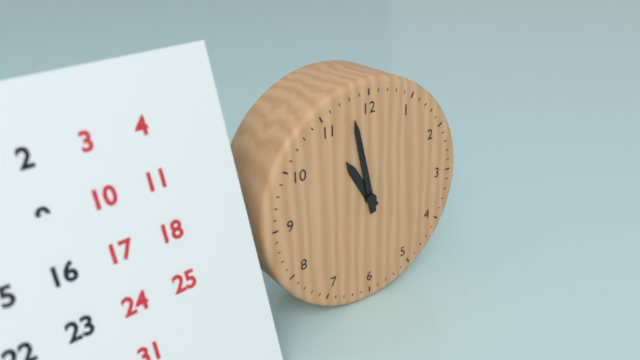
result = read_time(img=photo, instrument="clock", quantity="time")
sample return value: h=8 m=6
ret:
h=10 m=58
